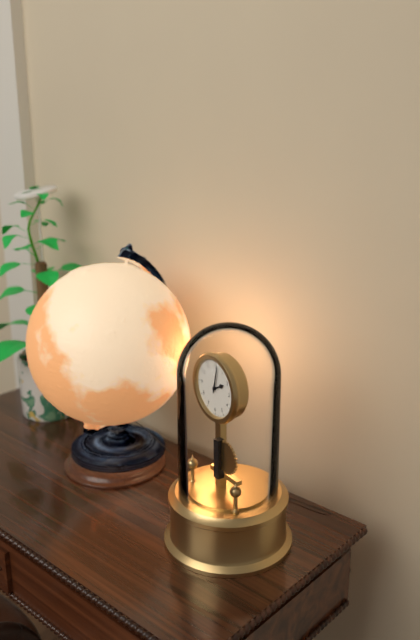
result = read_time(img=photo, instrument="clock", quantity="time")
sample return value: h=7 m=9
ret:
h=2 m=2
